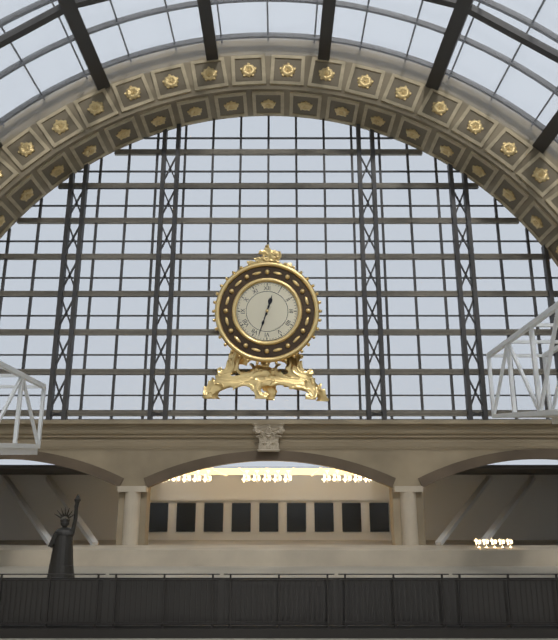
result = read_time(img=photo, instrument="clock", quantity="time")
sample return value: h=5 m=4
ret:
h=12 m=33
